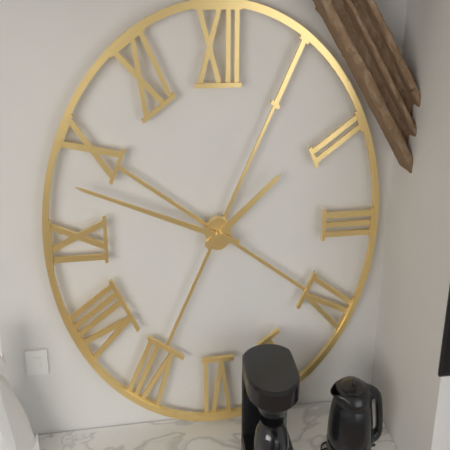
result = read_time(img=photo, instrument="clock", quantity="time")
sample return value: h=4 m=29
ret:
h=1 m=48
